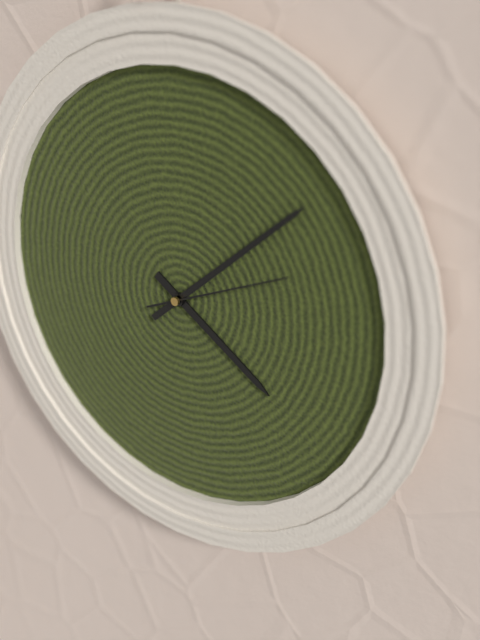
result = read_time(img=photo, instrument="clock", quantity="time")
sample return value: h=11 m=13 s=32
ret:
h=4 m=8 s=11
